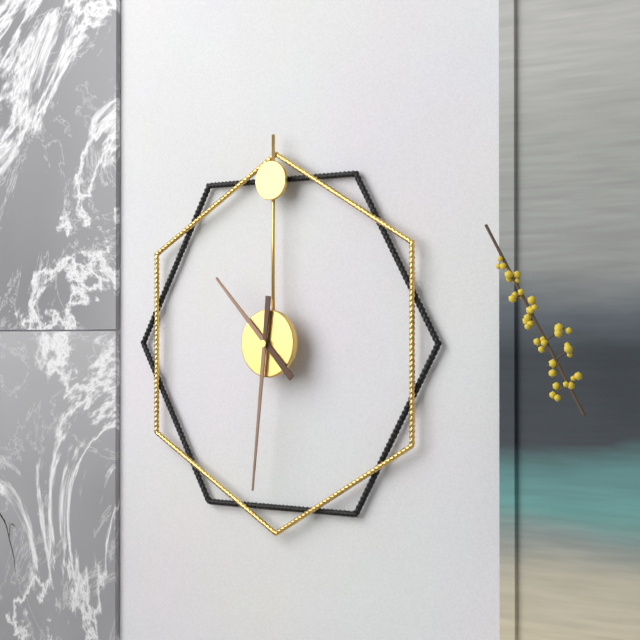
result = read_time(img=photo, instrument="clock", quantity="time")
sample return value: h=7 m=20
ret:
h=10 m=31
